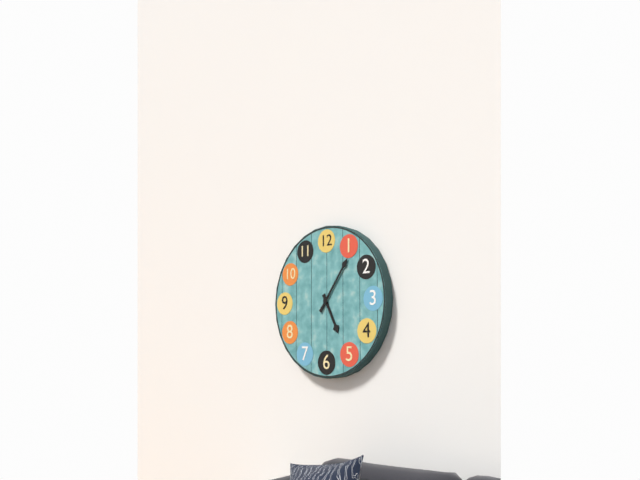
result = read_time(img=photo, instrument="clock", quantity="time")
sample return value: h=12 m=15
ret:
h=5 m=6
